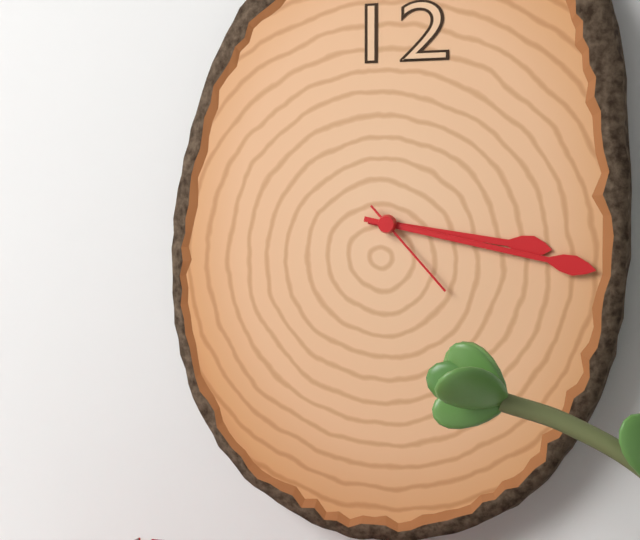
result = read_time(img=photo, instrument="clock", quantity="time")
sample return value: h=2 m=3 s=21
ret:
h=3 m=17 s=23
